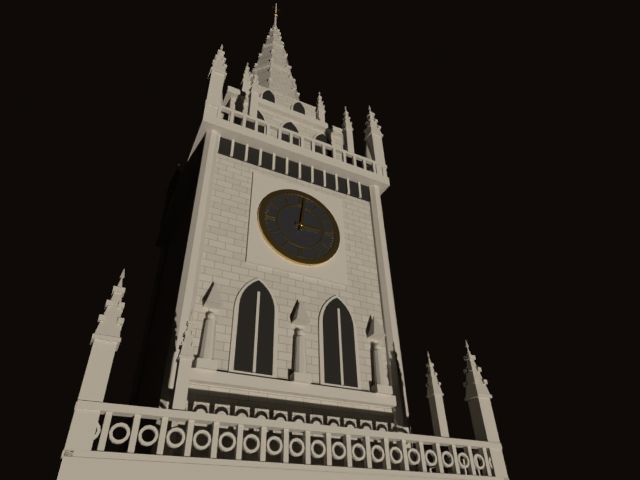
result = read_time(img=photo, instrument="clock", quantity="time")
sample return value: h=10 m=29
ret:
h=3 m=1
